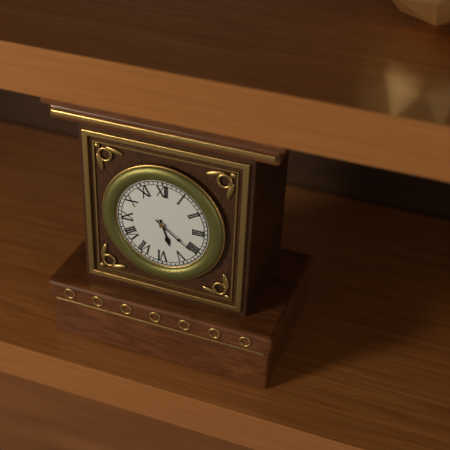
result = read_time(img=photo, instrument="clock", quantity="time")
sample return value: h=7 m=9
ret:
h=5 m=21
